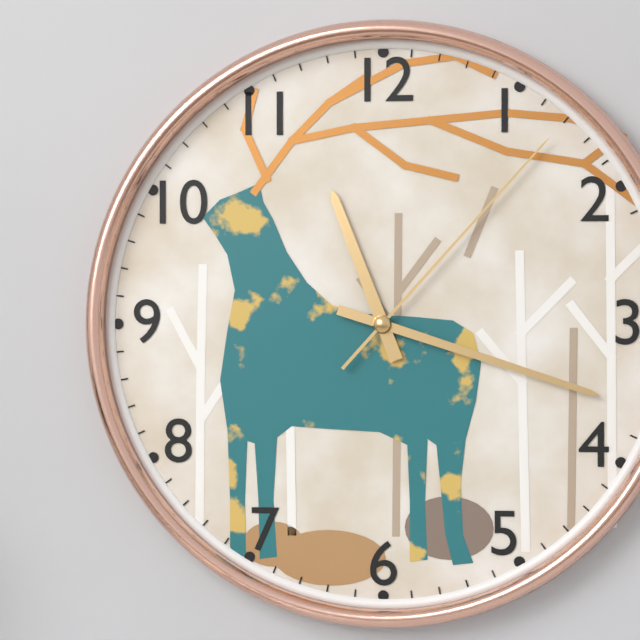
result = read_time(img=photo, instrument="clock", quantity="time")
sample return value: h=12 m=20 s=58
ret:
h=11 m=18 s=7
